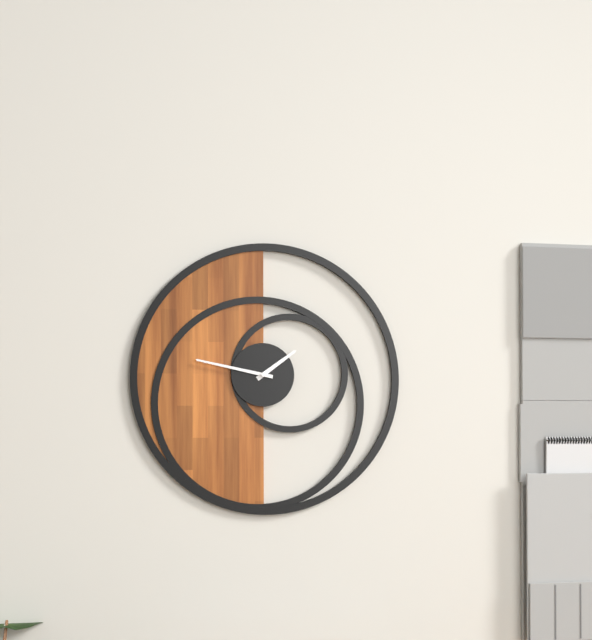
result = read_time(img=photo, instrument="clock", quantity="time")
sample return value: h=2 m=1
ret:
h=1 m=47
